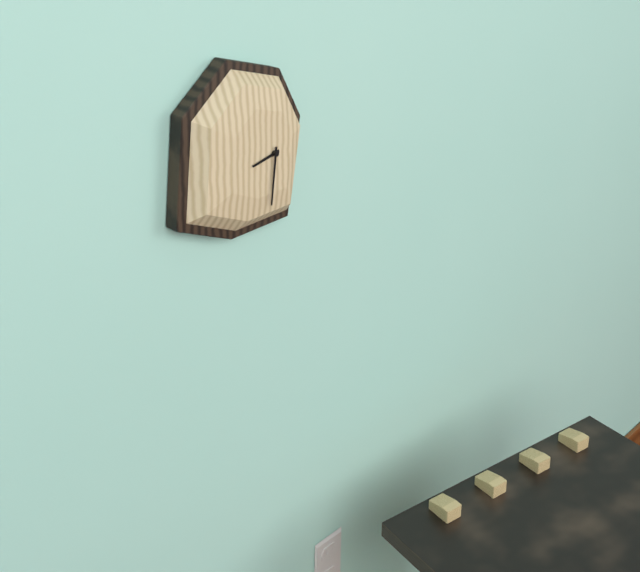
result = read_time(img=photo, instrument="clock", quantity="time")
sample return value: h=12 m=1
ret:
h=8 m=31
